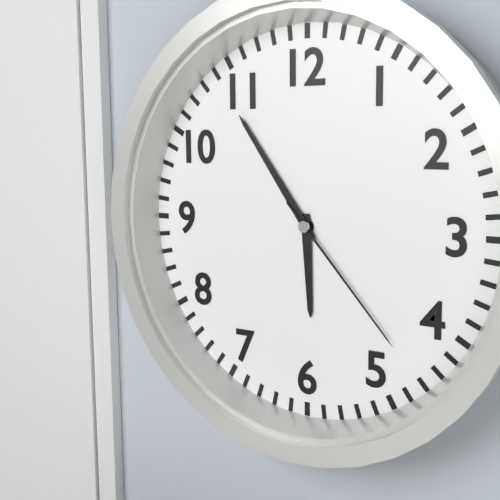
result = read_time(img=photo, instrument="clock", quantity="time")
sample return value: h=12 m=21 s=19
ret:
h=5 m=54 s=23
